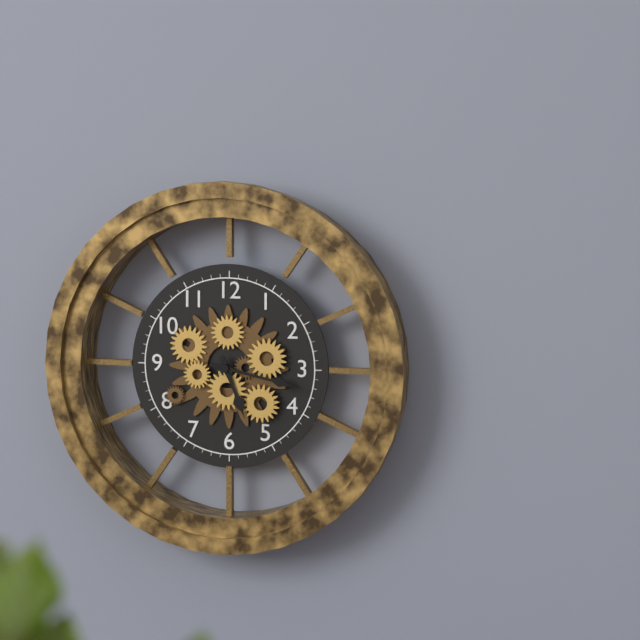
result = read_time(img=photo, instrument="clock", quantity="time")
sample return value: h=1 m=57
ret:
h=5 m=17
